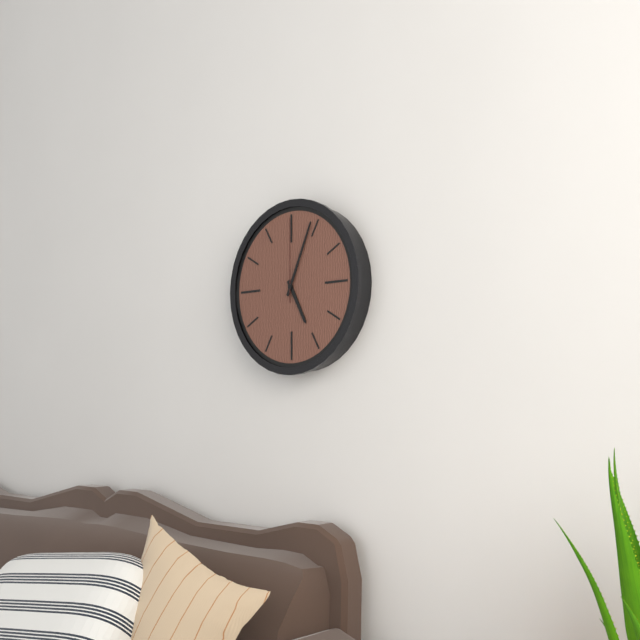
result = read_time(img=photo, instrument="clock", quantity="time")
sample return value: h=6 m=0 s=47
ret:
h=5 m=4 s=0
